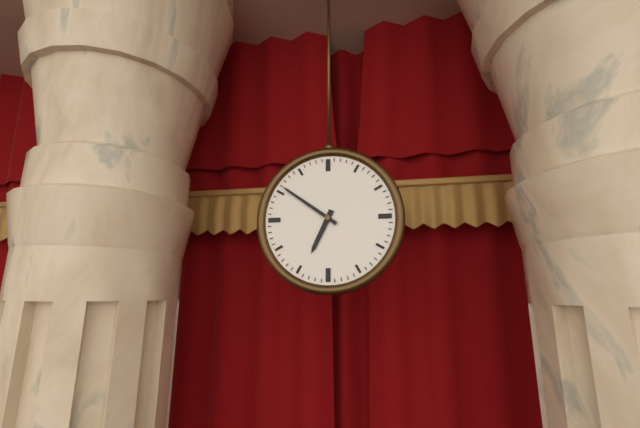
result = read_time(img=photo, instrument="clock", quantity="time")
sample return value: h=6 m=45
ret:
h=6 m=51
